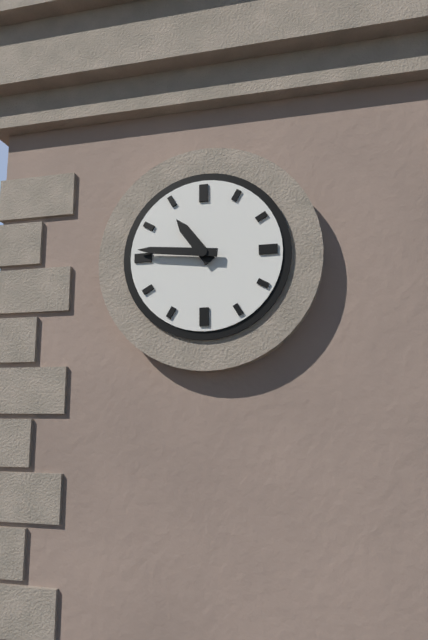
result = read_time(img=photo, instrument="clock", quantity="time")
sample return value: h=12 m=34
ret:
h=10 m=46
